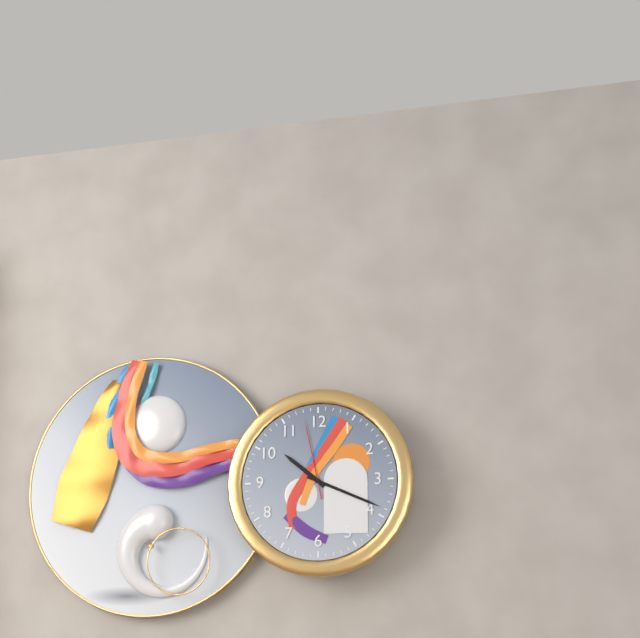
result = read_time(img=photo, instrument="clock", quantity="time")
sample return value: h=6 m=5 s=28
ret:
h=10 m=19 s=58
